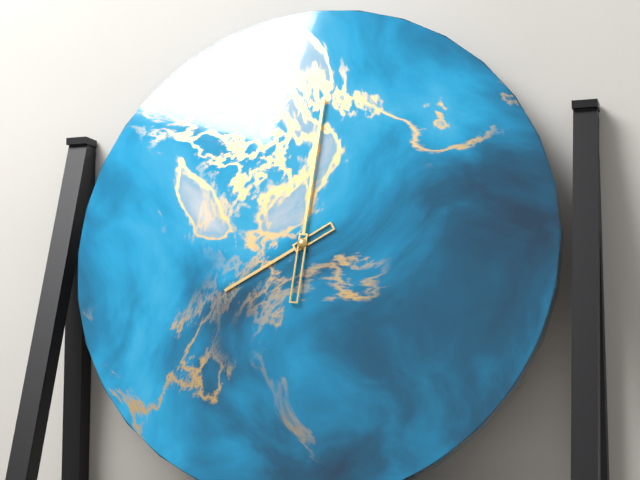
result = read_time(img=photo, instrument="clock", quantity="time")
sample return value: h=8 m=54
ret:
h=8 m=1
